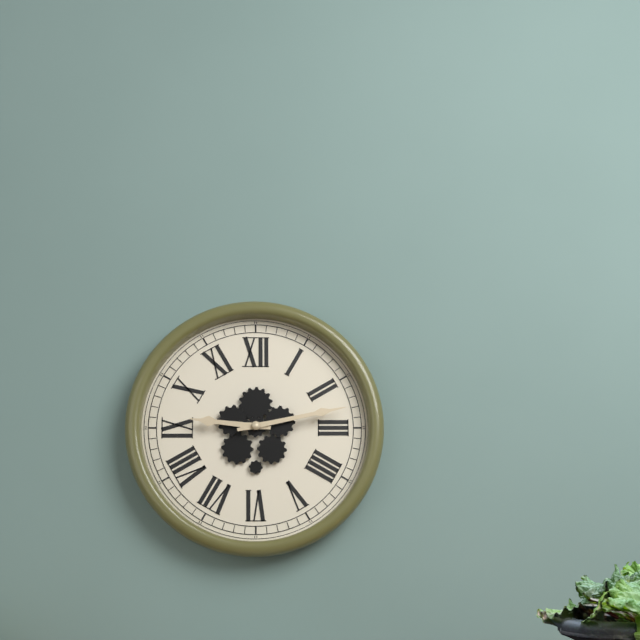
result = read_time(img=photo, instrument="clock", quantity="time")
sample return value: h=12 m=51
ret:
h=9 m=13
